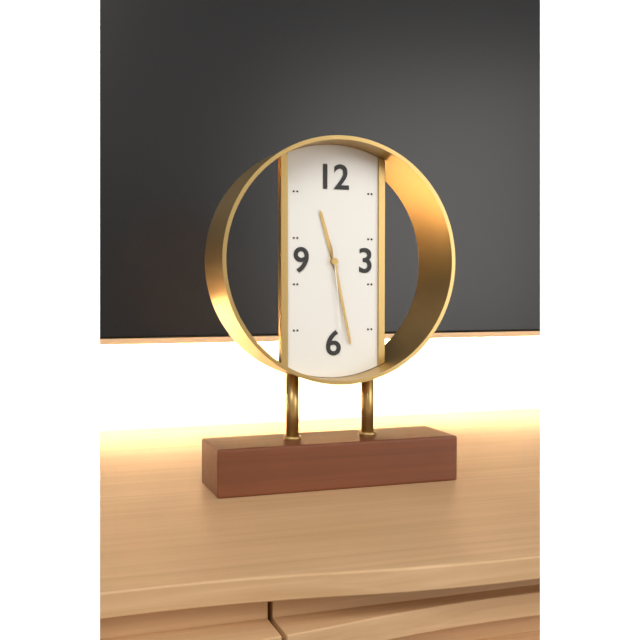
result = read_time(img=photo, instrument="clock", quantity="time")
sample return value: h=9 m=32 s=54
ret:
h=11 m=28 s=29
